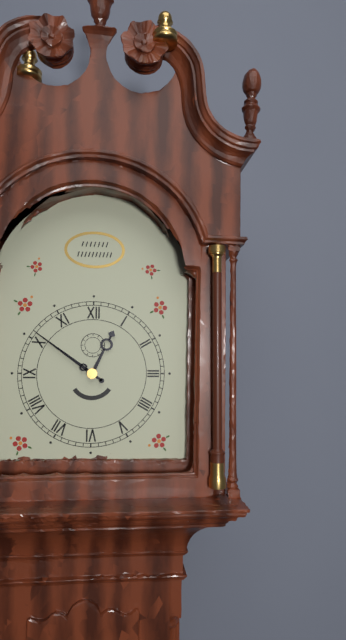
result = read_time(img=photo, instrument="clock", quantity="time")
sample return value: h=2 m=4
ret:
h=12 m=51
